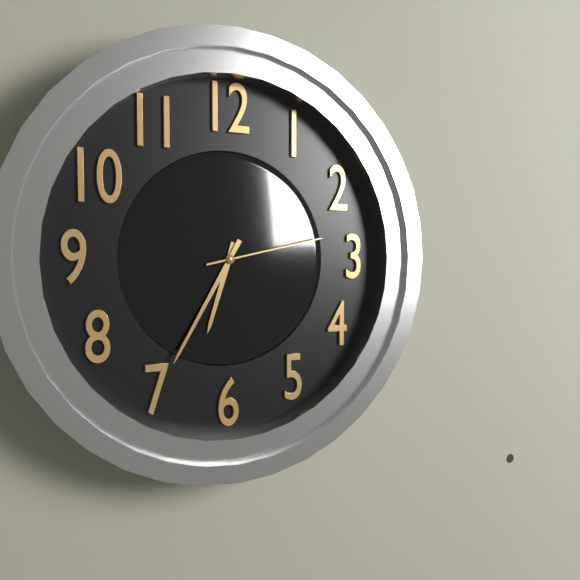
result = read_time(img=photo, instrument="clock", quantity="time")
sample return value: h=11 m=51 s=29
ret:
h=6 m=35 s=13
